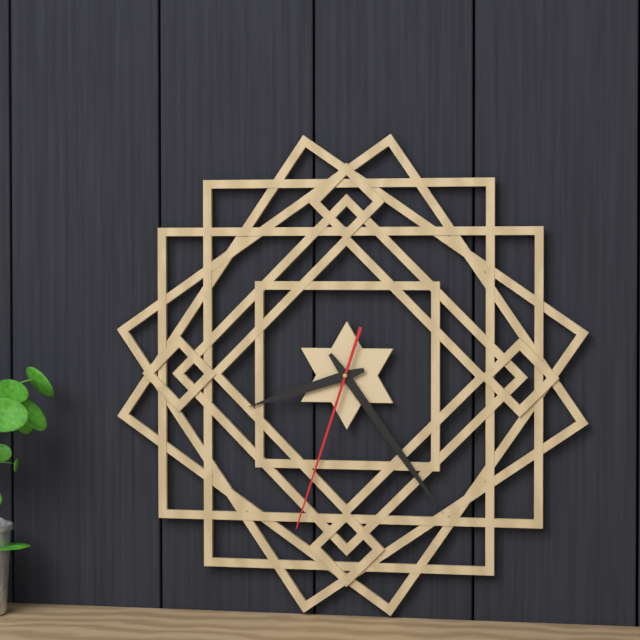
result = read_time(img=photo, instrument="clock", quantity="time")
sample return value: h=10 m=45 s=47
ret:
h=8 m=24 s=33
